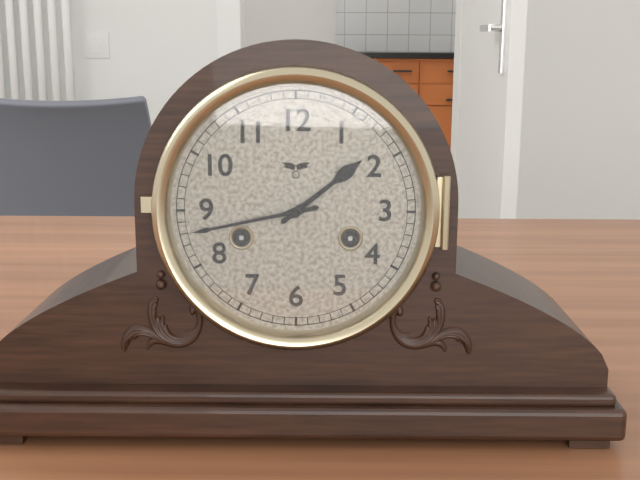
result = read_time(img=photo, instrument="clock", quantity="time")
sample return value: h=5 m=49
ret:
h=1 m=43
